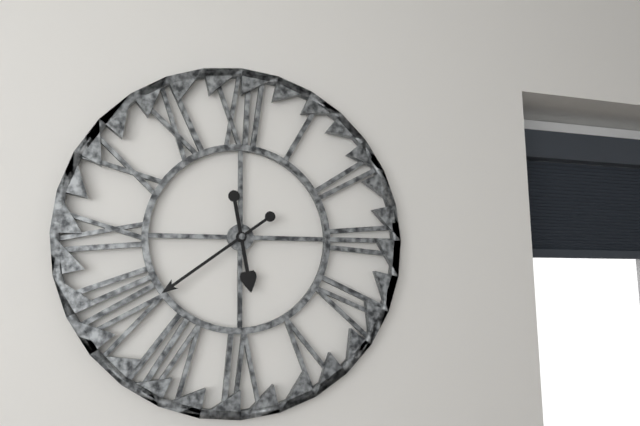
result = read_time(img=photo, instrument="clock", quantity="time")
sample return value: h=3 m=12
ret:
h=5 m=39
